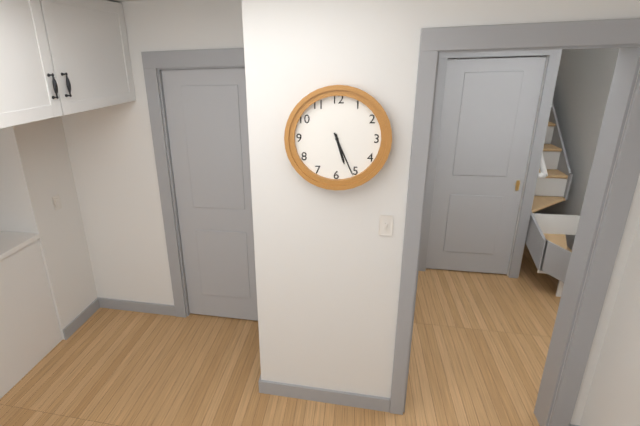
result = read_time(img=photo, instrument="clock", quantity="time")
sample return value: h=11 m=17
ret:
h=5 m=26
